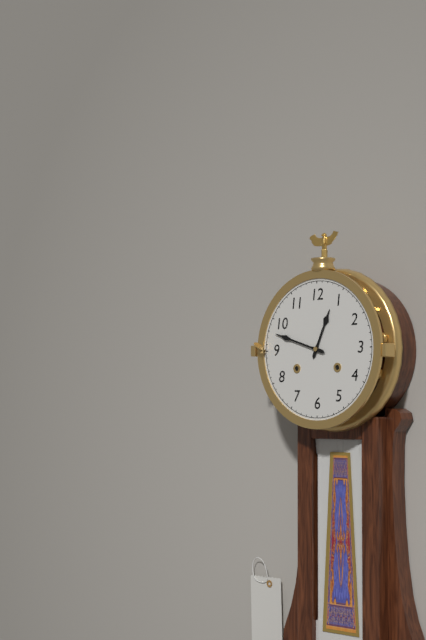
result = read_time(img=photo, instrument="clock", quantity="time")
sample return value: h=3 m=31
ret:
h=12 m=48
